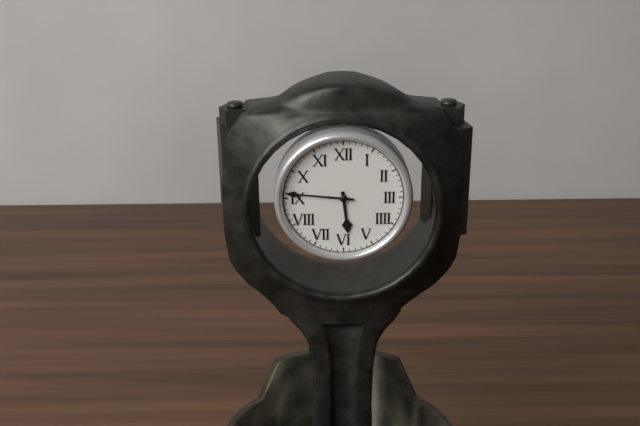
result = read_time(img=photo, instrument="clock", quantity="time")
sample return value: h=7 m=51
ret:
h=5 m=46
